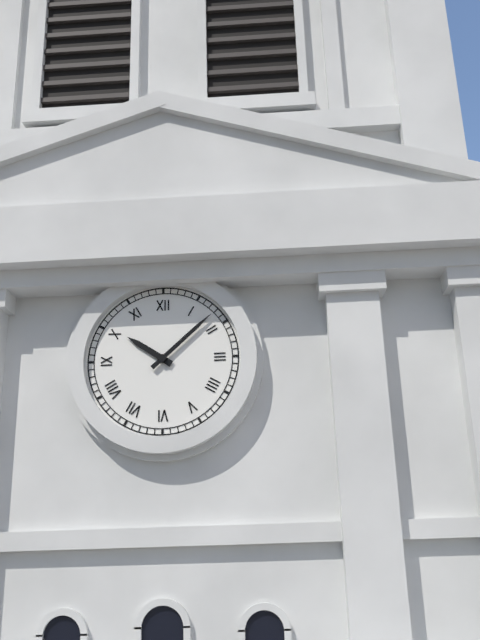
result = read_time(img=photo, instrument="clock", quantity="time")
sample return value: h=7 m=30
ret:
h=10 m=8
